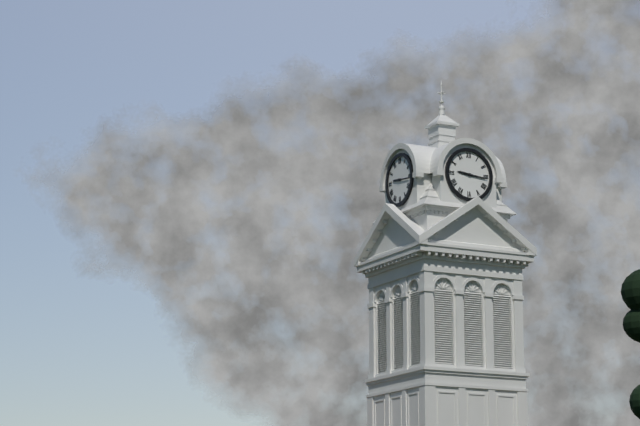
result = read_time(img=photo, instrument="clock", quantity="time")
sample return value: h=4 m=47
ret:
h=9 m=16
